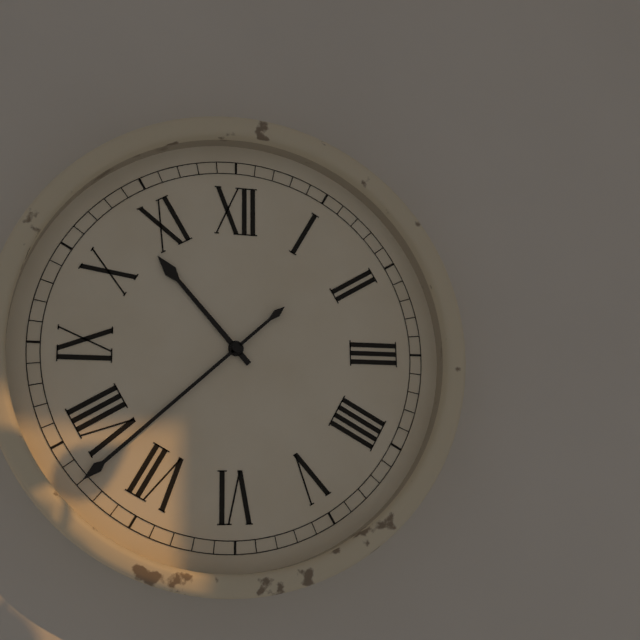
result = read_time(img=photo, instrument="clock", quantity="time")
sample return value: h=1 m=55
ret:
h=10 m=38
